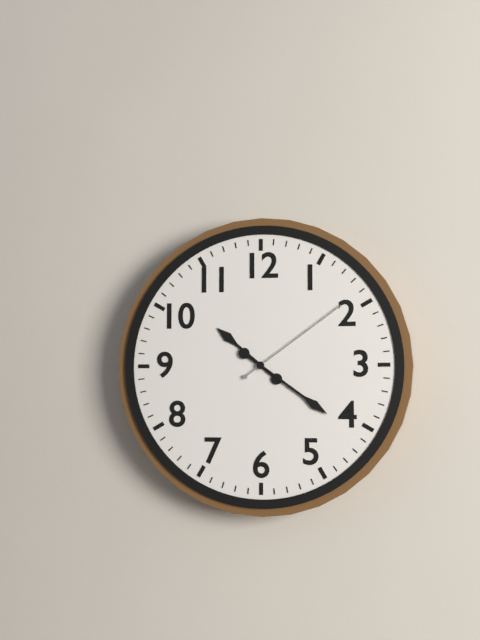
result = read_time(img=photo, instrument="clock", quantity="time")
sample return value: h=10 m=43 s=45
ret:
h=10 m=21 s=9
